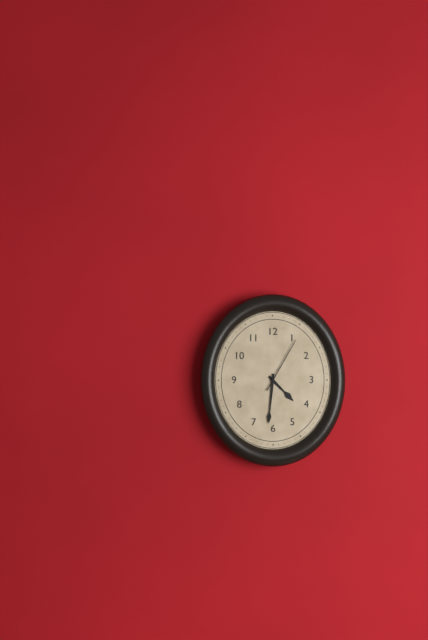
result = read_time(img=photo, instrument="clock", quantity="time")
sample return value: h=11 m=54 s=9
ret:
h=4 m=31 s=5
